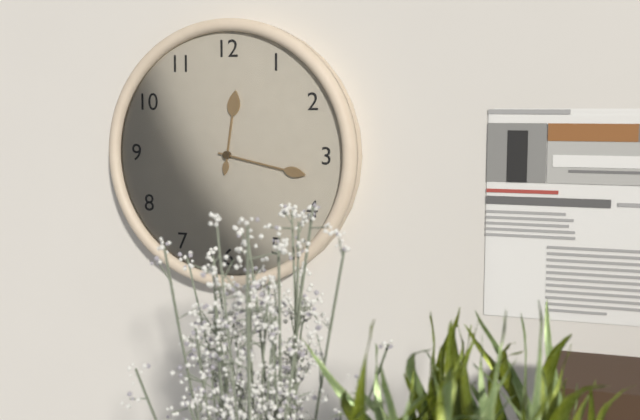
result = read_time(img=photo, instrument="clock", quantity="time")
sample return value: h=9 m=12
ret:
h=12 m=17
